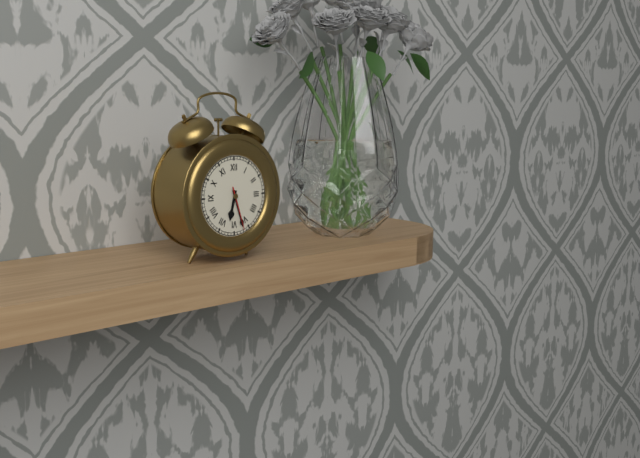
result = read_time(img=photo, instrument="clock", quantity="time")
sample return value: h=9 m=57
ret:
h=6 m=27
